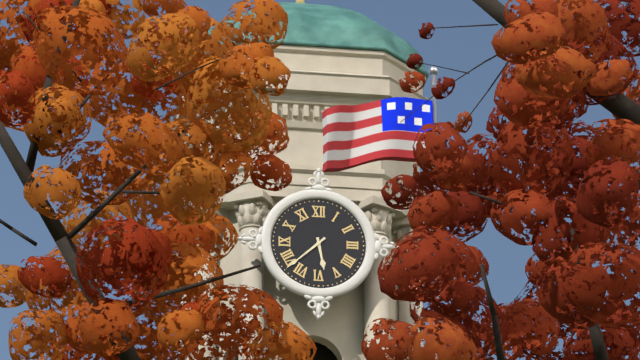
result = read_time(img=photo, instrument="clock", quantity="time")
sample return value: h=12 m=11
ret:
h=5 m=38
